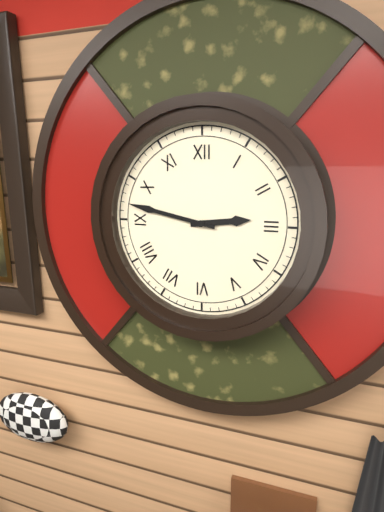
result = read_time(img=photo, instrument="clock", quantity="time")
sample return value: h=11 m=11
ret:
h=2 m=47
